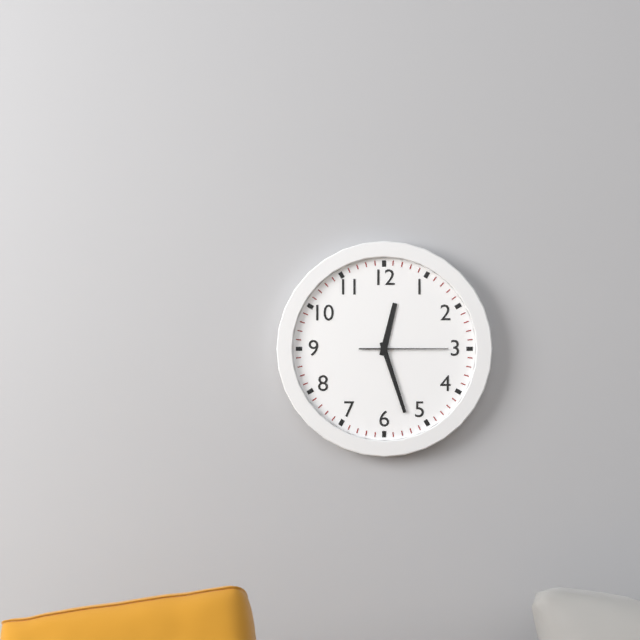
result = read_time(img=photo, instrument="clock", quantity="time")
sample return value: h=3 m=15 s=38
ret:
h=12 m=27 s=15
